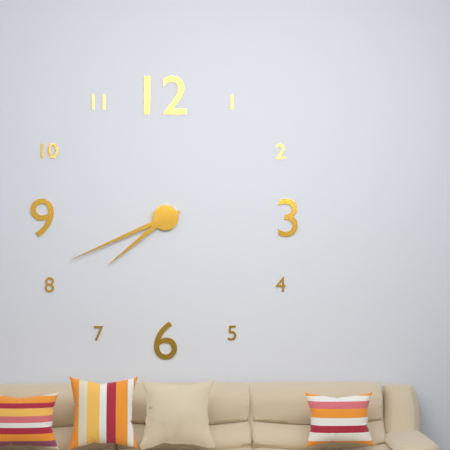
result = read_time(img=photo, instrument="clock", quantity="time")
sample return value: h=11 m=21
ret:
h=7 m=41
